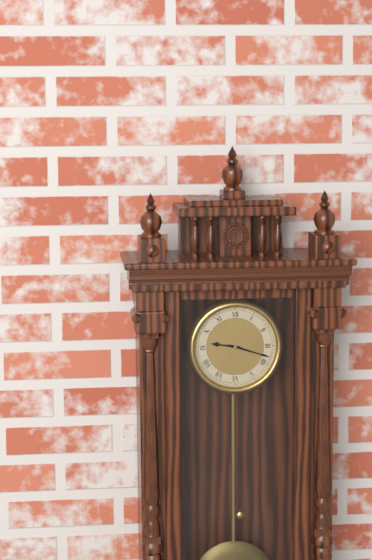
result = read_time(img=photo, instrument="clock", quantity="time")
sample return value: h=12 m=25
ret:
h=9 m=18
